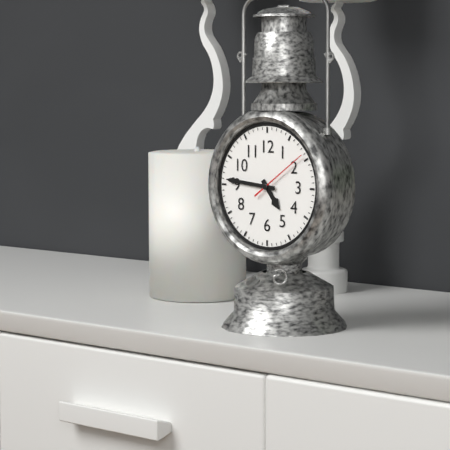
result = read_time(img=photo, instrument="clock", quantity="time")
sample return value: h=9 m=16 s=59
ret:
h=4 m=46 s=9
